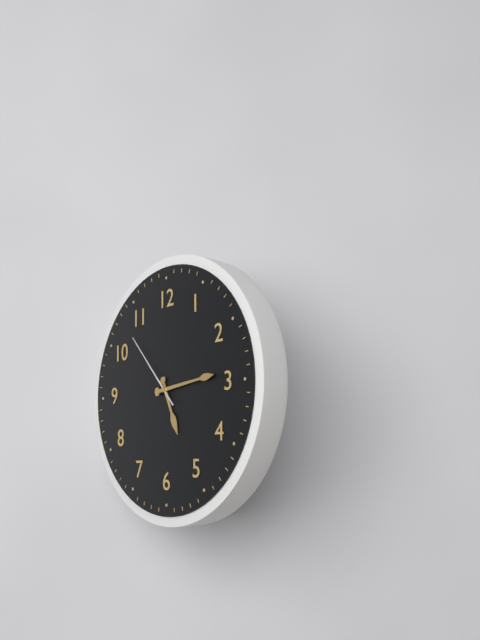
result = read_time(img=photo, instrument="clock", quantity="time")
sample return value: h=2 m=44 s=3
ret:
h=5 m=14 s=53
